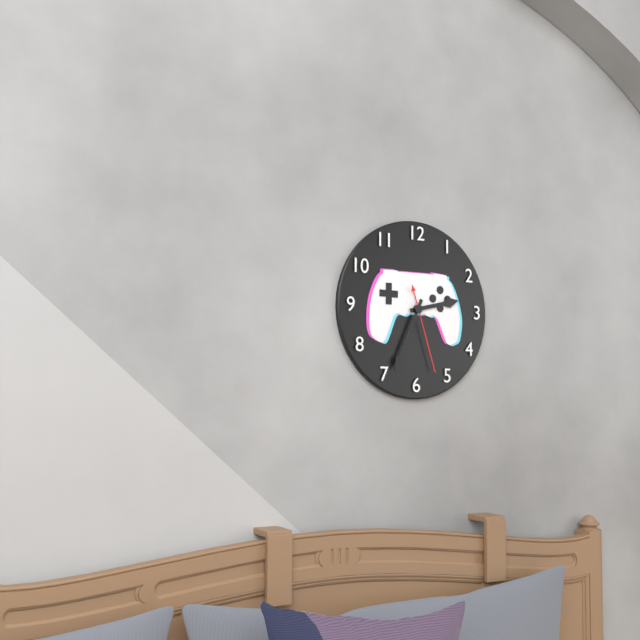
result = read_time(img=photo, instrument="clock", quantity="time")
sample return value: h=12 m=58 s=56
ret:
h=2 m=34 s=27
